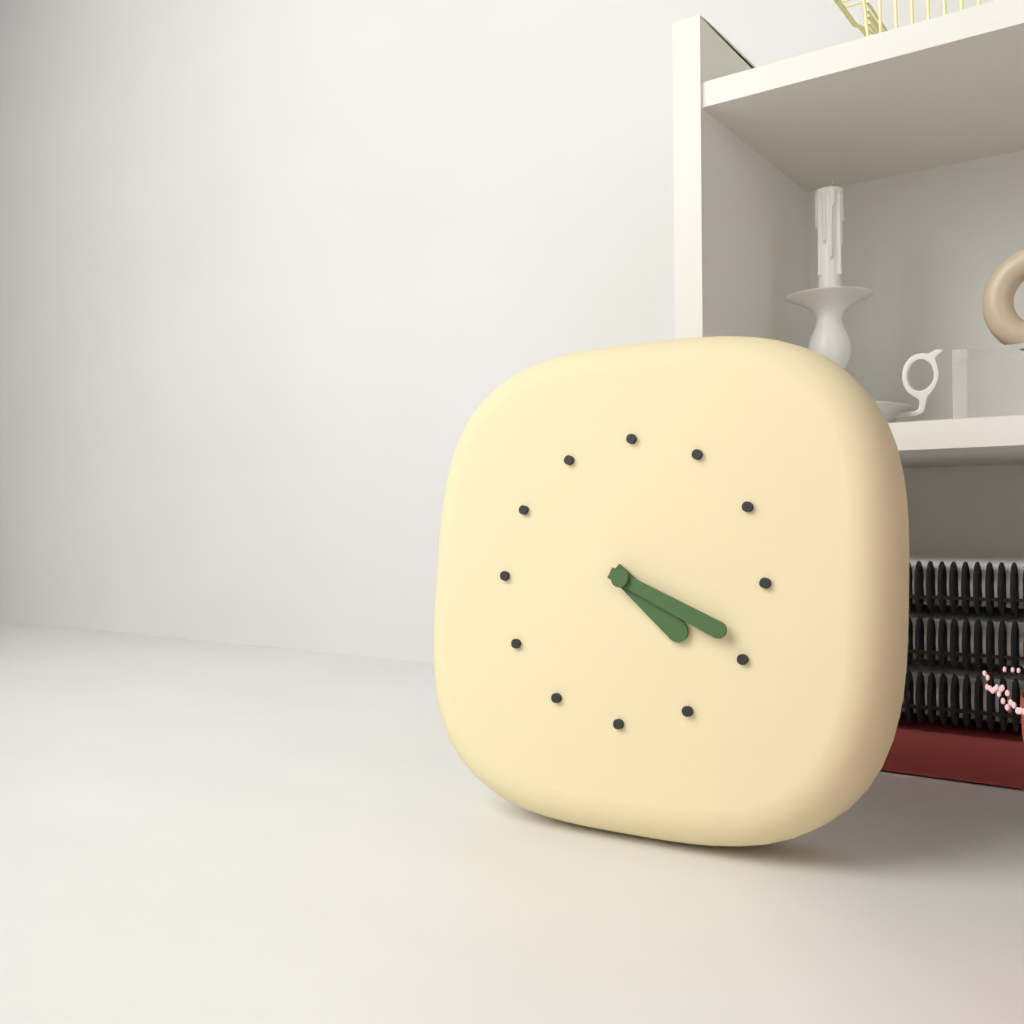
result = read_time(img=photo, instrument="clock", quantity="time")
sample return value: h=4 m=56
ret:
h=4 m=19
